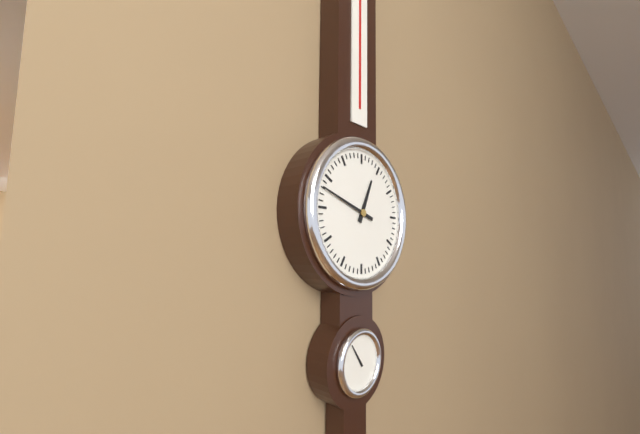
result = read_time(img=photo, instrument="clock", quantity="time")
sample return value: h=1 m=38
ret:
h=12 m=48
